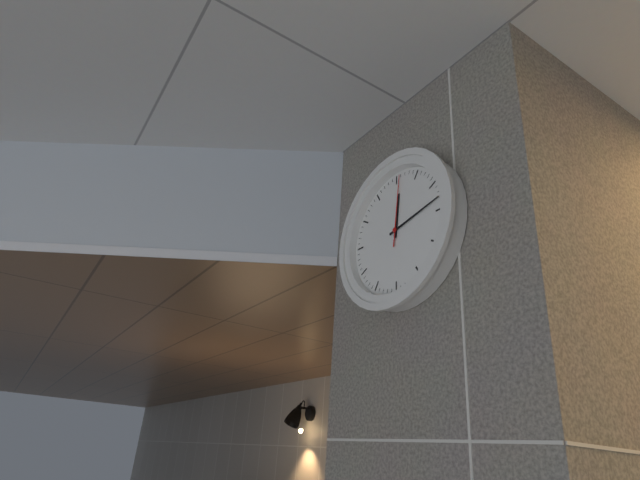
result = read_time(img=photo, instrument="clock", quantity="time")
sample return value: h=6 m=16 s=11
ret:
h=12 m=13 s=1
